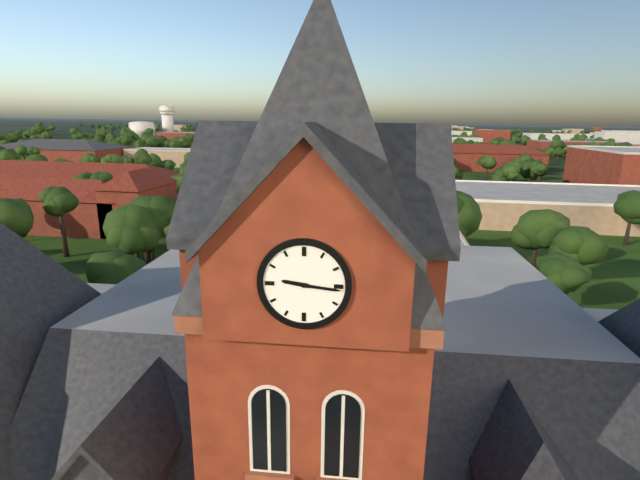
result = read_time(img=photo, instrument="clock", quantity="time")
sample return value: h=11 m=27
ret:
h=9 m=16
